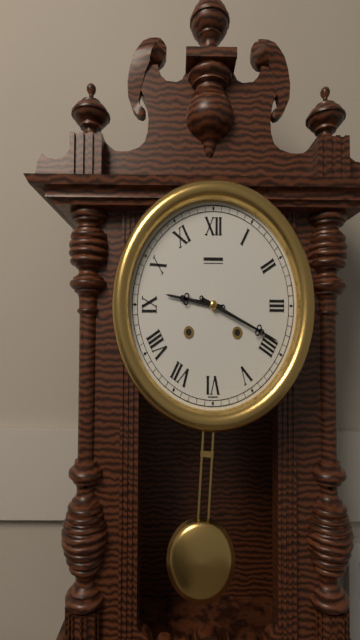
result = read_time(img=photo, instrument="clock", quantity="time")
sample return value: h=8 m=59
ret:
h=9 m=19
